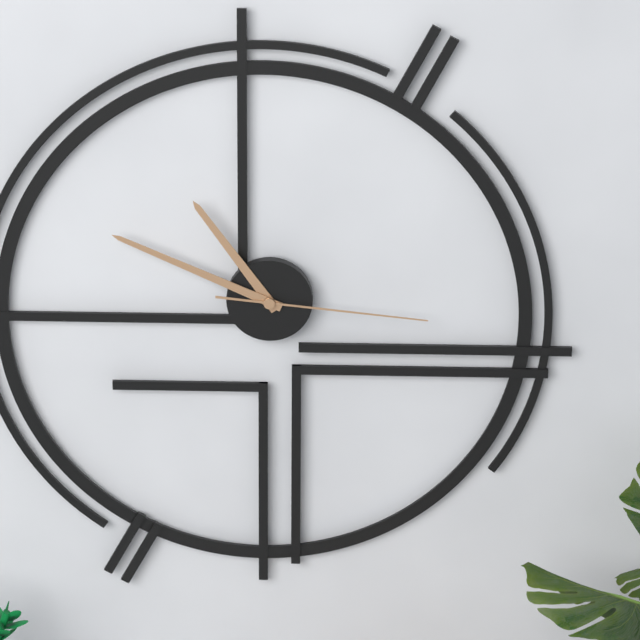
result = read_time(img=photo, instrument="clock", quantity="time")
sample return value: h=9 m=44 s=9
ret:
h=10 m=49 s=16
